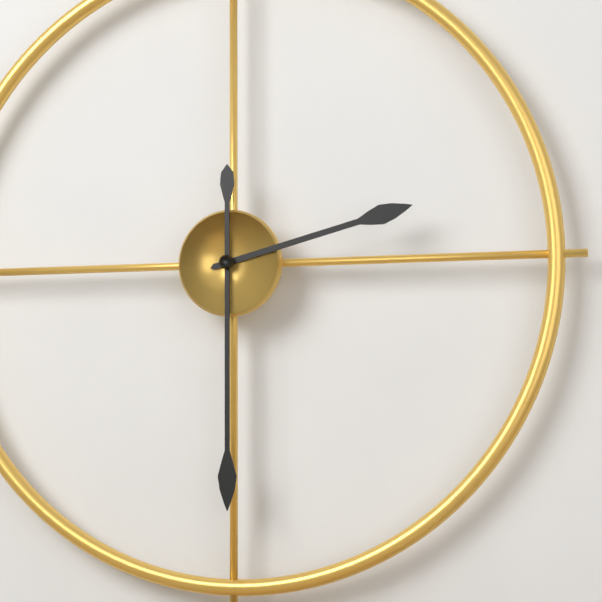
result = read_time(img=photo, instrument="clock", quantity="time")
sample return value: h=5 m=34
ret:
h=2 m=30
